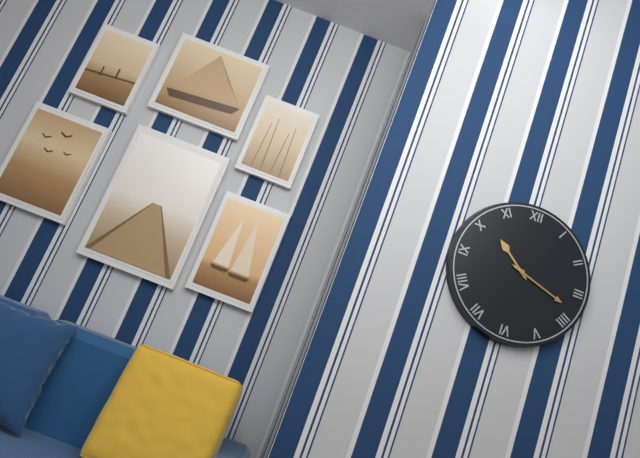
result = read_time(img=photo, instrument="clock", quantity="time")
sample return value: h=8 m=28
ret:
h=10 m=18
